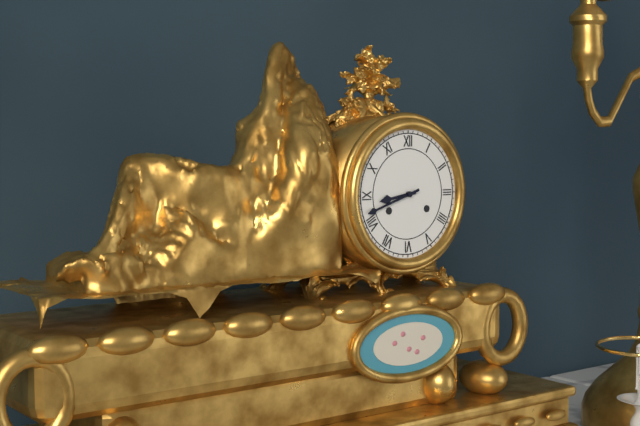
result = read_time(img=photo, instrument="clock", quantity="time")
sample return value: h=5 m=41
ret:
h=8 m=42
